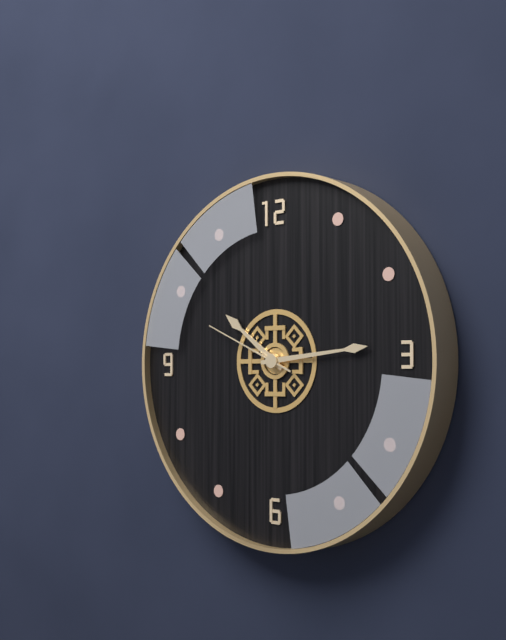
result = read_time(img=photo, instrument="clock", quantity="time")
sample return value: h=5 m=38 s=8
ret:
h=10 m=14 s=49
